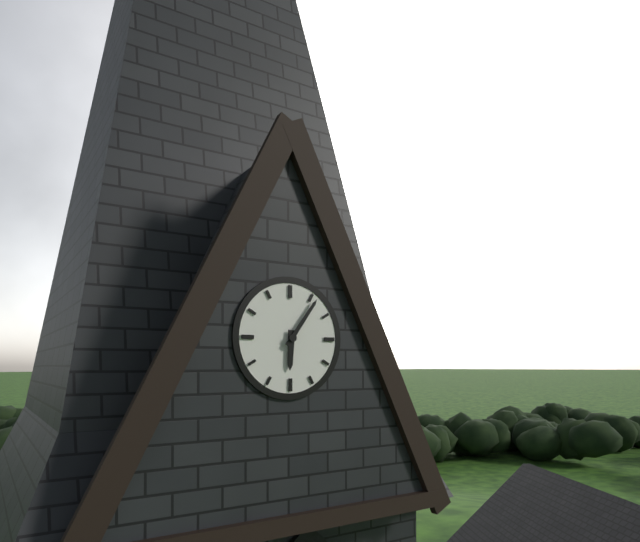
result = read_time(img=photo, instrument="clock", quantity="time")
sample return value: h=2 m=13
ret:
h=6 m=6
